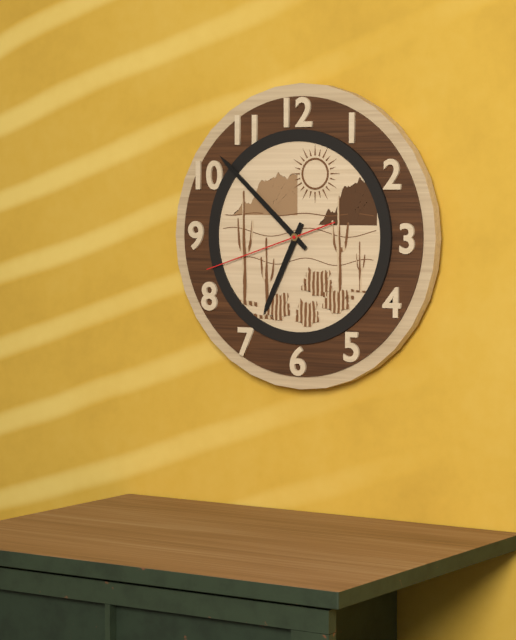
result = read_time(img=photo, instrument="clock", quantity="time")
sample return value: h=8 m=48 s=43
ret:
h=6 m=52 s=42
